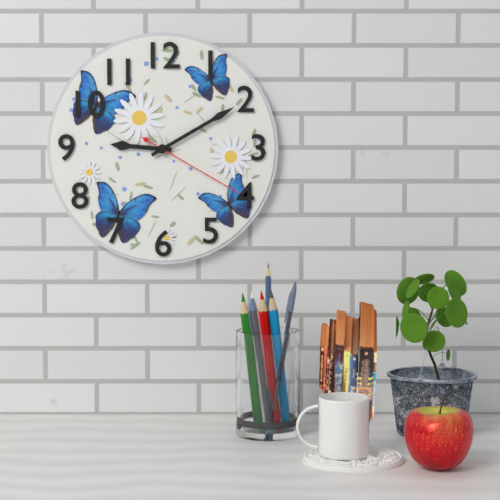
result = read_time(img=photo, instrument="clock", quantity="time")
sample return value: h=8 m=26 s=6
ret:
h=9 m=10 s=20
